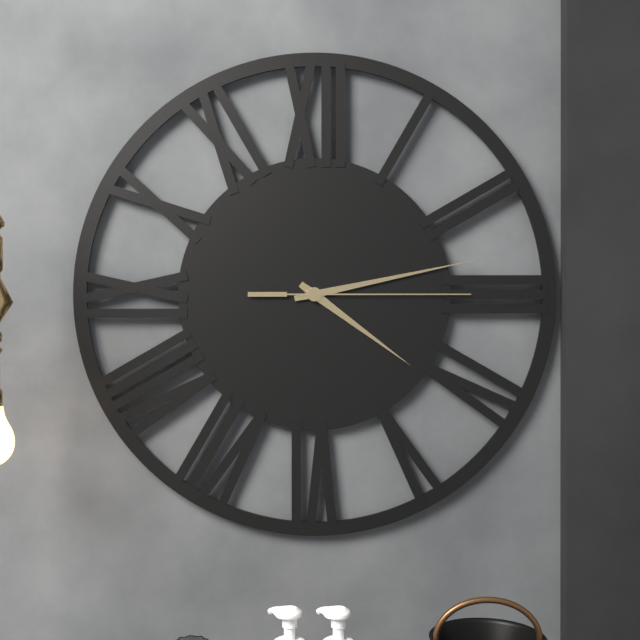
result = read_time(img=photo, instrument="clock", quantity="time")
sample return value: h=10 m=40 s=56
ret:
h=4 m=13 s=15
